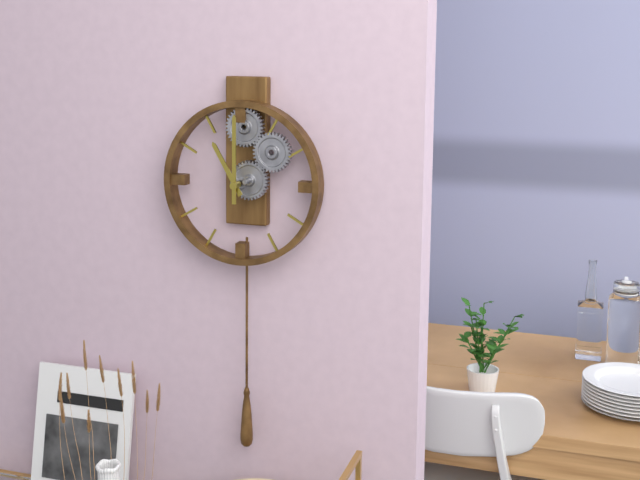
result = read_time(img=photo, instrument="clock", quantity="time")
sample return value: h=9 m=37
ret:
h=11 m=0
